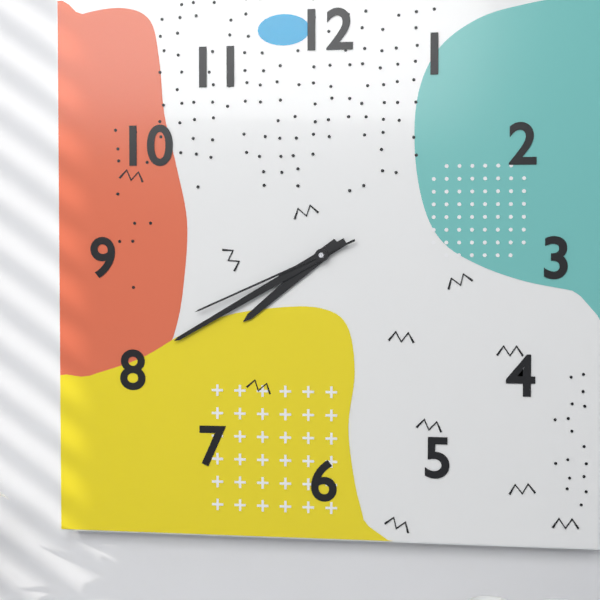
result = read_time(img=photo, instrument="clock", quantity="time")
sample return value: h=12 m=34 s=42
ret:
h=7 m=40 s=41
